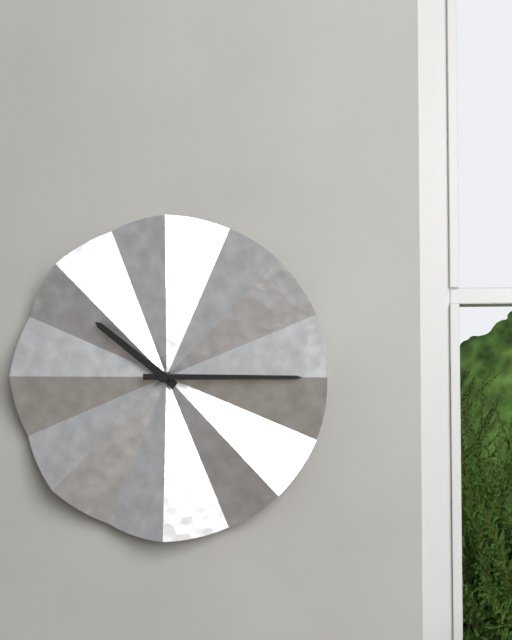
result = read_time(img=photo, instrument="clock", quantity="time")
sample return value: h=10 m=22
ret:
h=10 m=15
